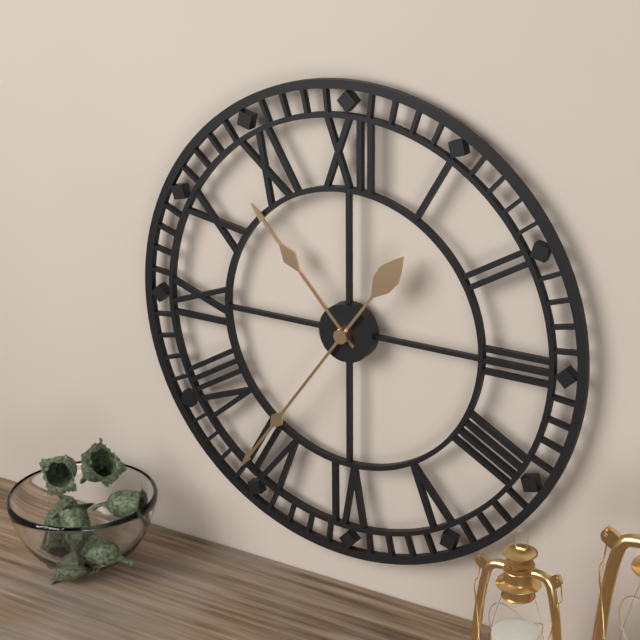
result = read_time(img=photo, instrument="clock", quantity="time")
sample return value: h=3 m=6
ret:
h=10 m=36
